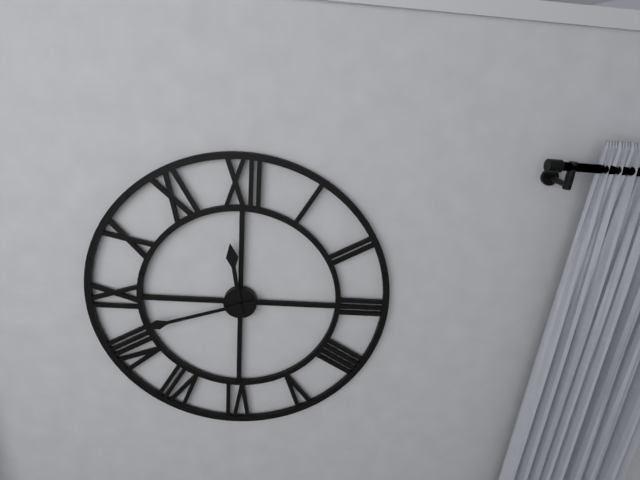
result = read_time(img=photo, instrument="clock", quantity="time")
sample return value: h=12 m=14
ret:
h=11 m=42
